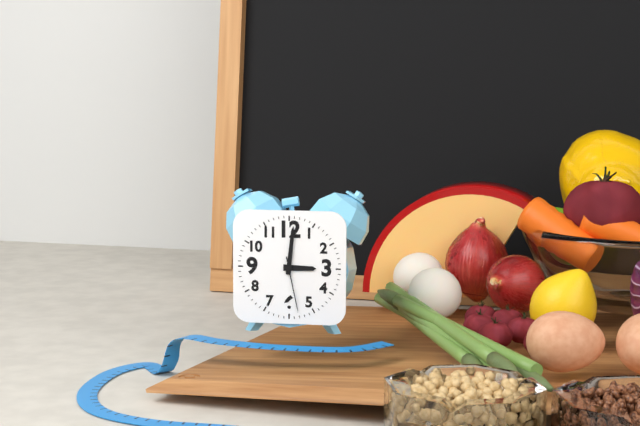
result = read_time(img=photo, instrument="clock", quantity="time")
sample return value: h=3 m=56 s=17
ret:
h=3 m=1 s=28
